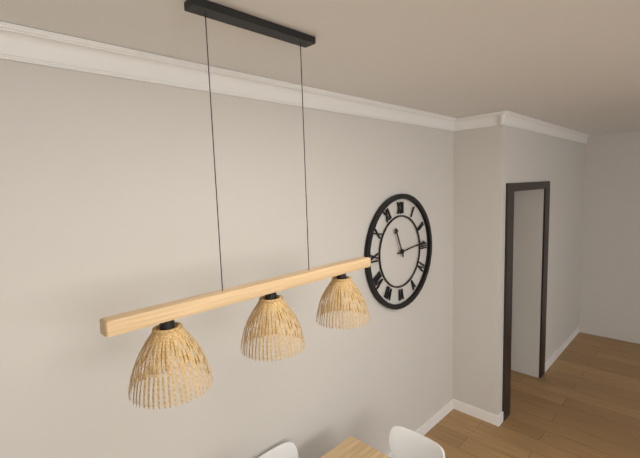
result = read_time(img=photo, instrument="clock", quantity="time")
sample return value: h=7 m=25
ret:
h=11 m=14
